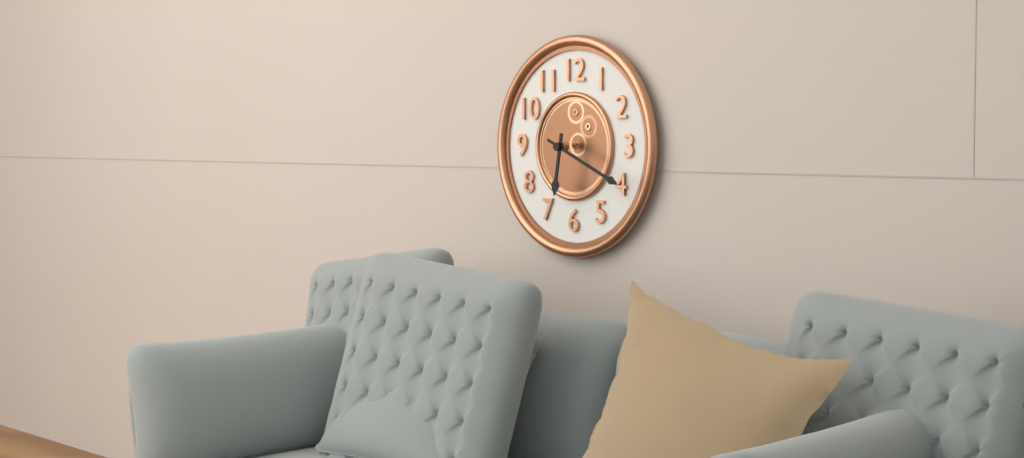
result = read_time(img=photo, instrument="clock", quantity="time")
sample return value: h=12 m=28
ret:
h=6 m=19
